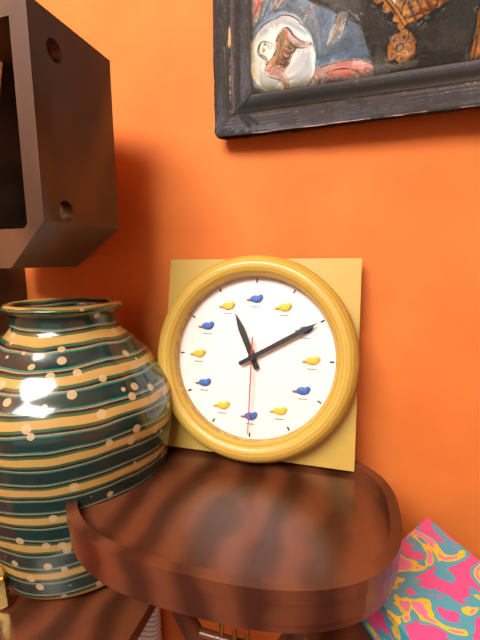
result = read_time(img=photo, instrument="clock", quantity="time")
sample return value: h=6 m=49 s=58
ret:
h=11 m=10 s=30
